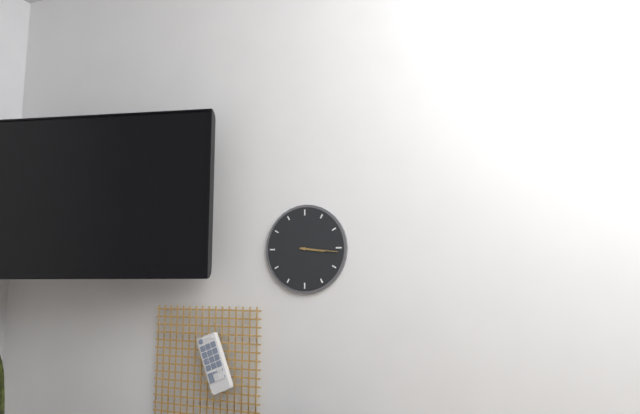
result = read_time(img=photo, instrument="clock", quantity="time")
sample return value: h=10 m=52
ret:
h=3 m=16
